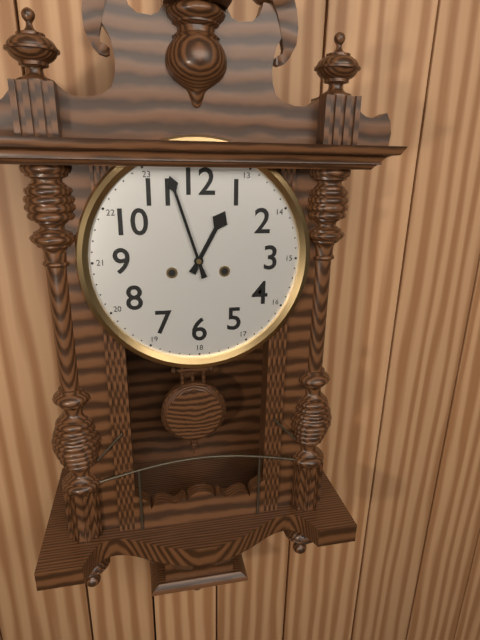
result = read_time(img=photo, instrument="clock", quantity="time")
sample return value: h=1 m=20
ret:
h=12 m=57
